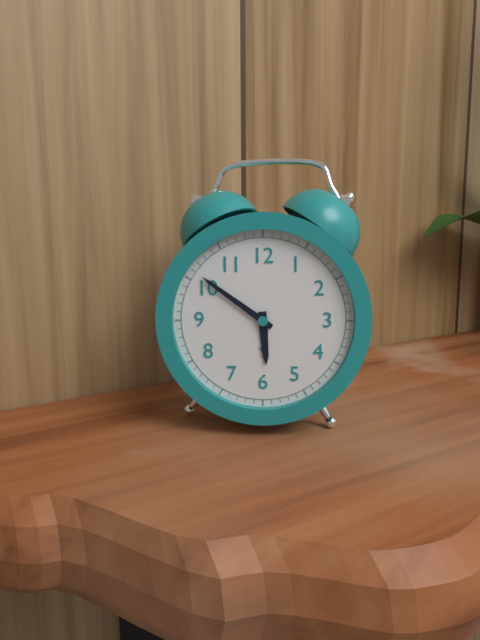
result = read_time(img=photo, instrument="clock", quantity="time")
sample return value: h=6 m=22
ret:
h=5 m=51
